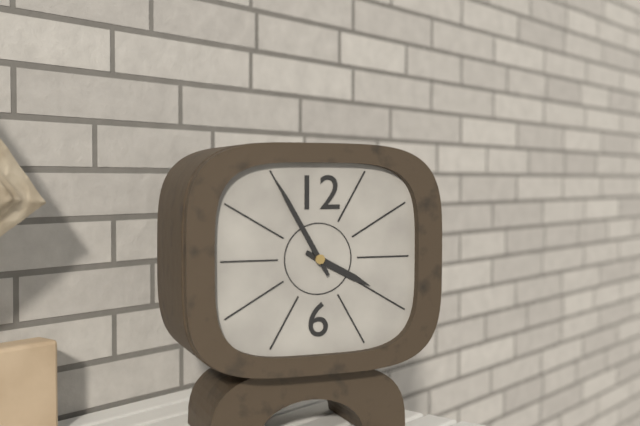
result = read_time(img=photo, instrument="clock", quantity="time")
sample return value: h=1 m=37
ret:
h=3 m=55
